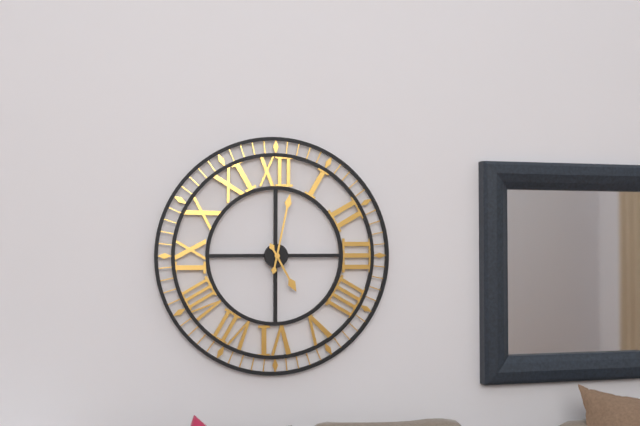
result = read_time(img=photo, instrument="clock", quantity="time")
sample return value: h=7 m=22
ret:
h=5 m=2
